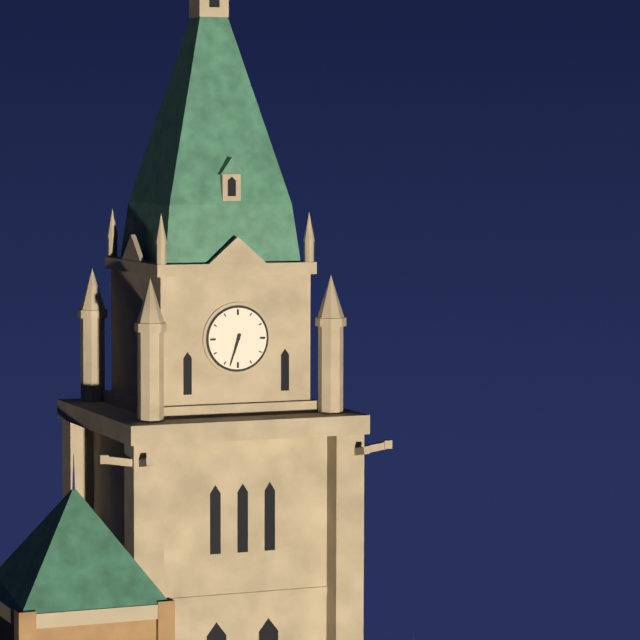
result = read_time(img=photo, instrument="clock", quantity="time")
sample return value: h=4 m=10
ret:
h=6 m=33
